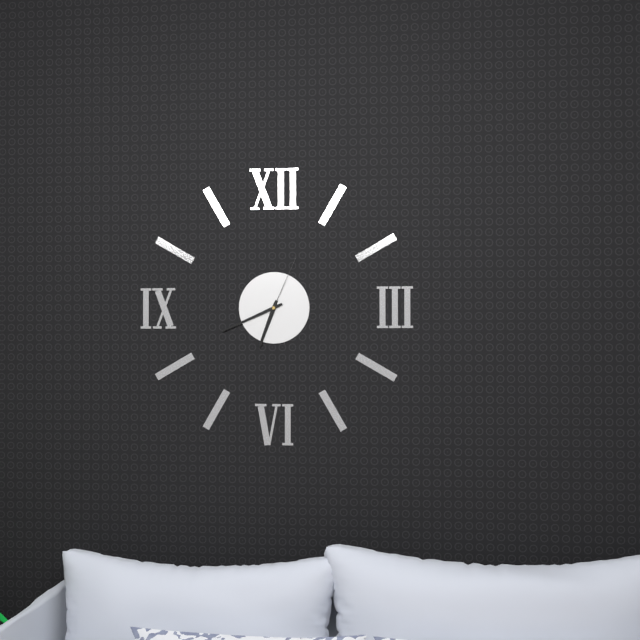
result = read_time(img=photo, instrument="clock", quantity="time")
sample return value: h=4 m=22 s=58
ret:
h=6 m=41 s=4
